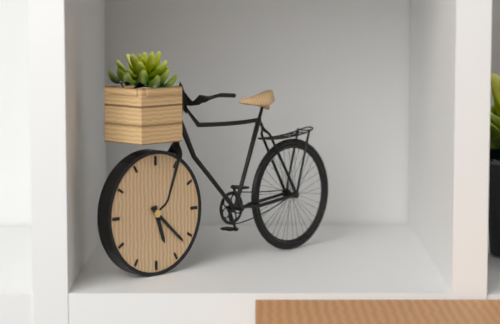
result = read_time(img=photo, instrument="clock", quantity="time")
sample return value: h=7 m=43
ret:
h=5 m=22
